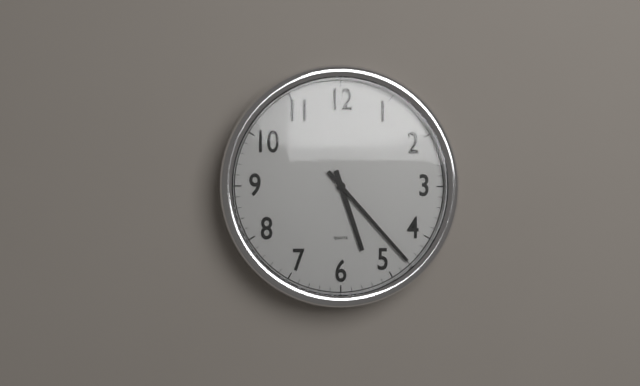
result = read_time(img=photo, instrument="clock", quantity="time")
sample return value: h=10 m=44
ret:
h=5 m=23
